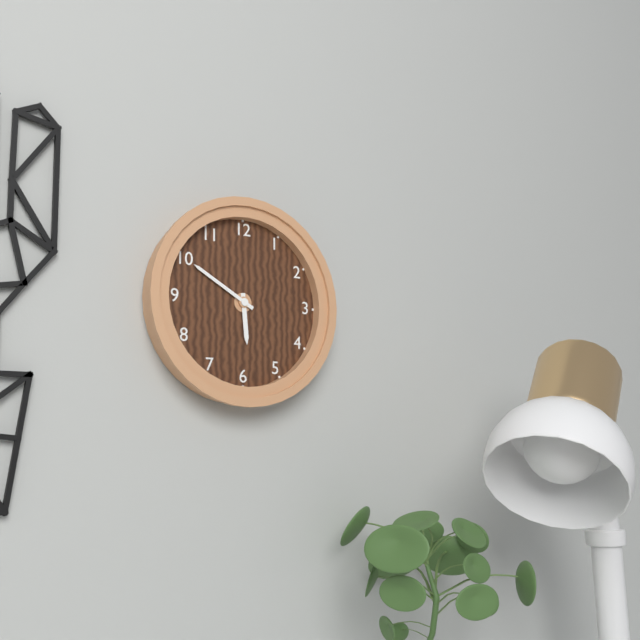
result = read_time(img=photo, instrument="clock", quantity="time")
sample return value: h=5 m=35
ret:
h=5 m=50
